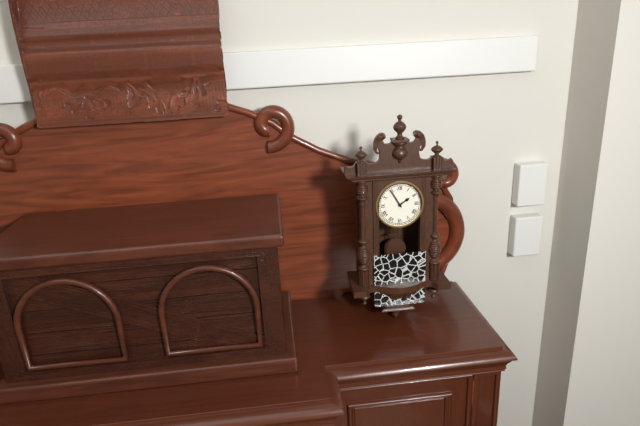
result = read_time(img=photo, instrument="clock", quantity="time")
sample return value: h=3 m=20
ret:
h=1 m=55
